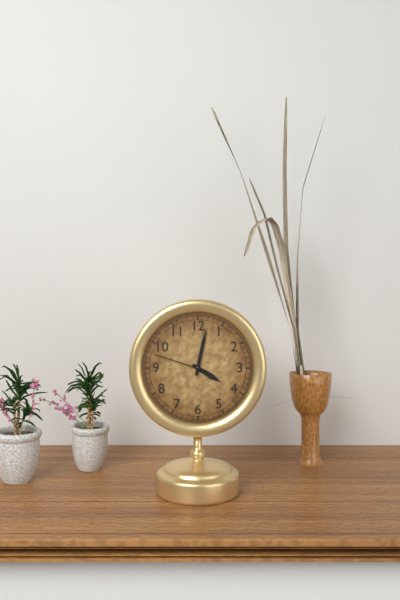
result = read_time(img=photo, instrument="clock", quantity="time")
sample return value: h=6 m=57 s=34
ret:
h=4 m=2 s=48
